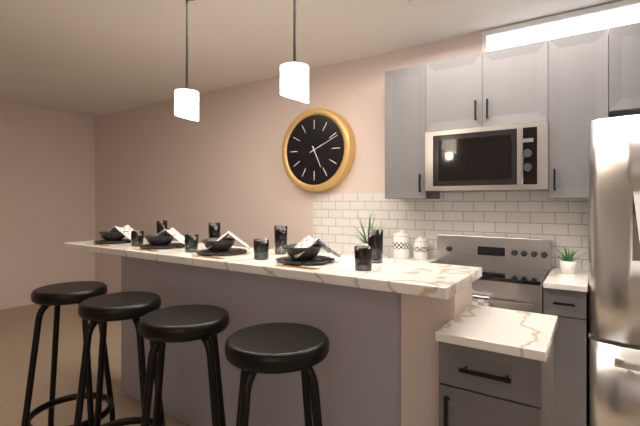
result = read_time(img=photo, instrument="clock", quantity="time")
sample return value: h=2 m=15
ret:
h=5 m=11
